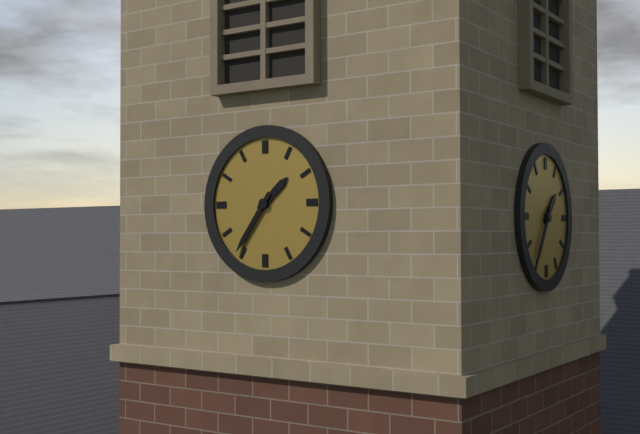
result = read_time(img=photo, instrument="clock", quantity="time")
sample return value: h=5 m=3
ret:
h=1 m=36
